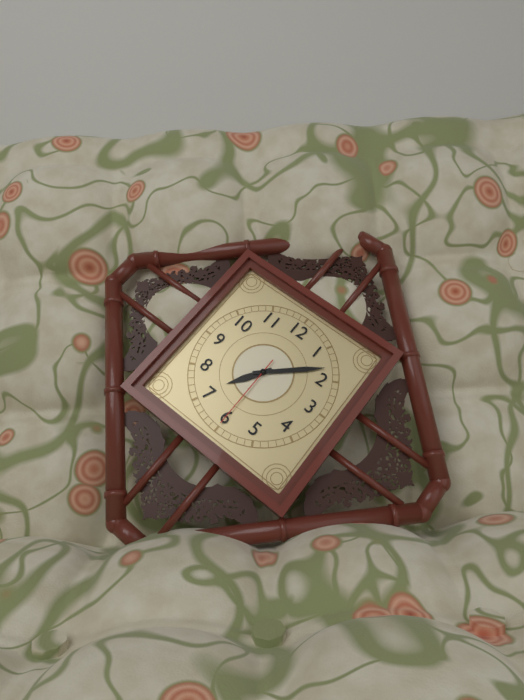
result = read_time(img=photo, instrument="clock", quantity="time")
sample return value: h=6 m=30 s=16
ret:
h=7 m=8 s=30
